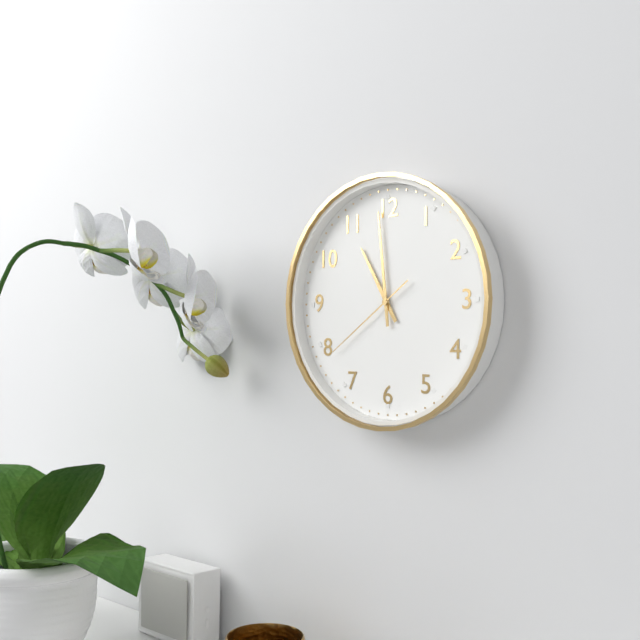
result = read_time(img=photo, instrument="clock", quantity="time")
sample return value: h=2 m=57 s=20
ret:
h=10 m=59 s=39
